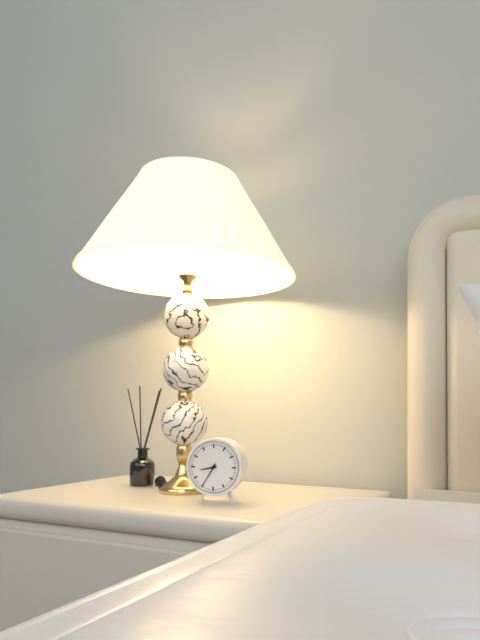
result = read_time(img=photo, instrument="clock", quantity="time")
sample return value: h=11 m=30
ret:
h=8 m=35
